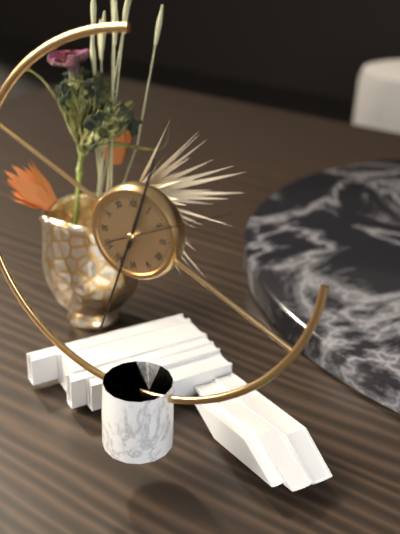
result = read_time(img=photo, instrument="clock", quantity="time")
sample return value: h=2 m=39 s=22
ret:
h=12 m=33 s=11
